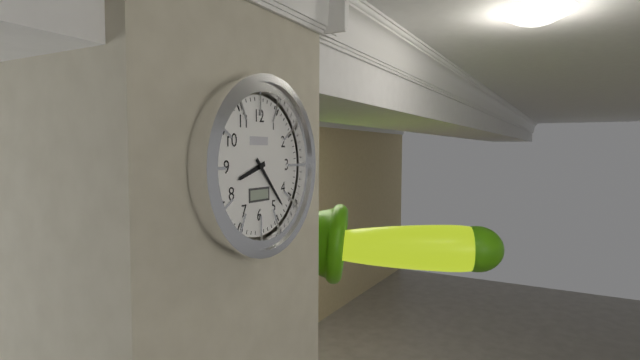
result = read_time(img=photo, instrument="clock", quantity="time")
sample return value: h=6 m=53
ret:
h=8 m=23
